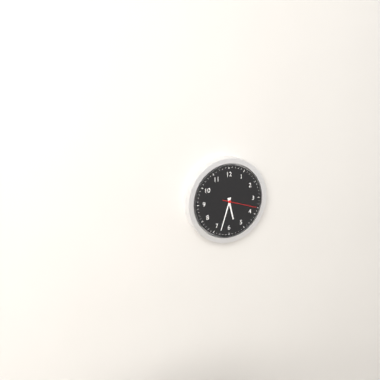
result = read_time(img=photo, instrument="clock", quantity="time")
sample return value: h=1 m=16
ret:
h=5 m=33
